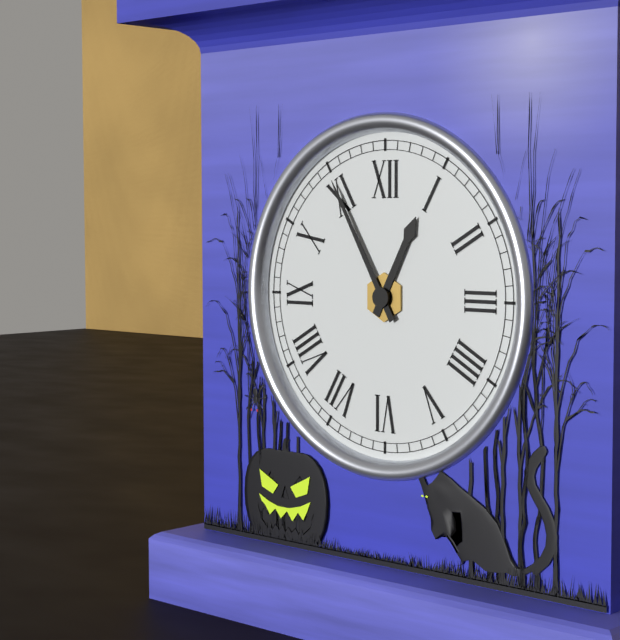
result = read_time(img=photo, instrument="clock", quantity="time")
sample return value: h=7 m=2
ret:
h=12 m=55
